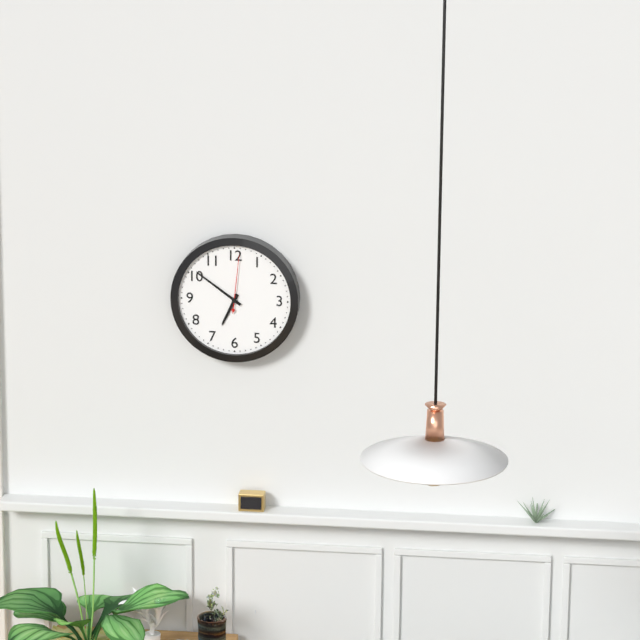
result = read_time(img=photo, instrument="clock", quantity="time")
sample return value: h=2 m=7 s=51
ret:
h=6 m=51 s=1
